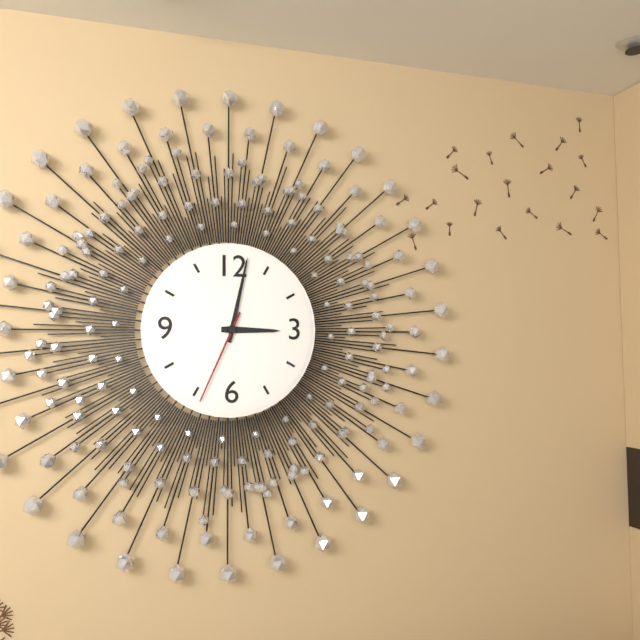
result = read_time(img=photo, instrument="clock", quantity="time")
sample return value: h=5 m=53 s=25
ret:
h=3 m=2 s=34
